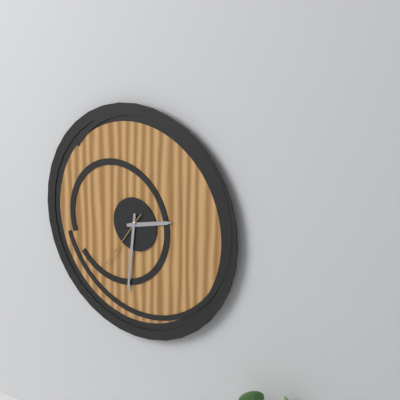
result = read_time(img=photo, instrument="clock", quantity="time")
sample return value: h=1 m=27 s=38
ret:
h=2 m=31 s=36
